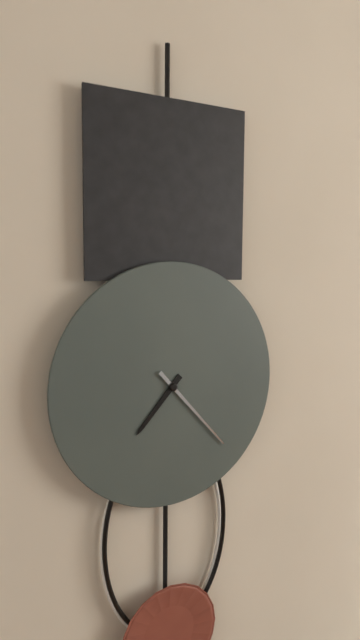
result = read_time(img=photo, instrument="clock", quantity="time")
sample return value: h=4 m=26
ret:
h=7 m=23
